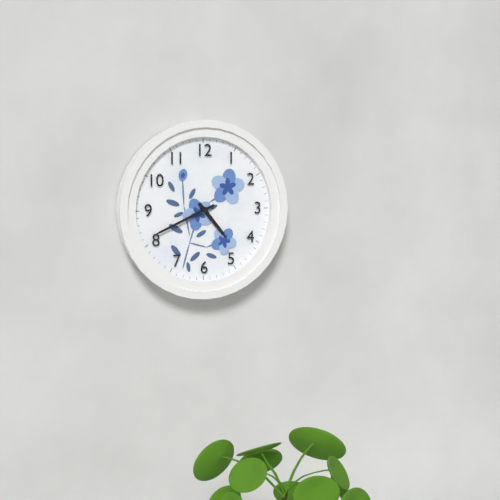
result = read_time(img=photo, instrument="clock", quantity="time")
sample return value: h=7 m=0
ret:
h=4 m=41
